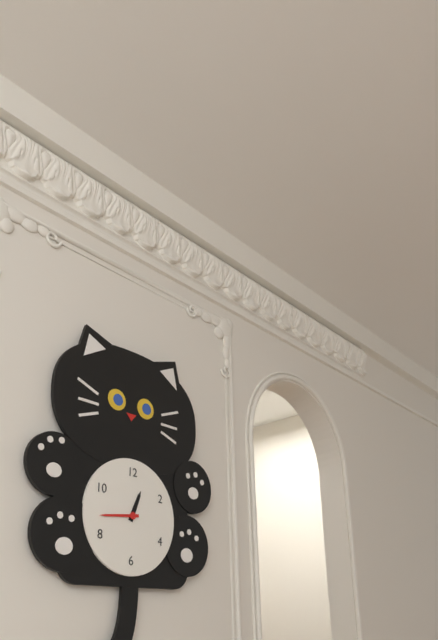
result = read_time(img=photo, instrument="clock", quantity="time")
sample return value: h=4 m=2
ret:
h=12 m=44
